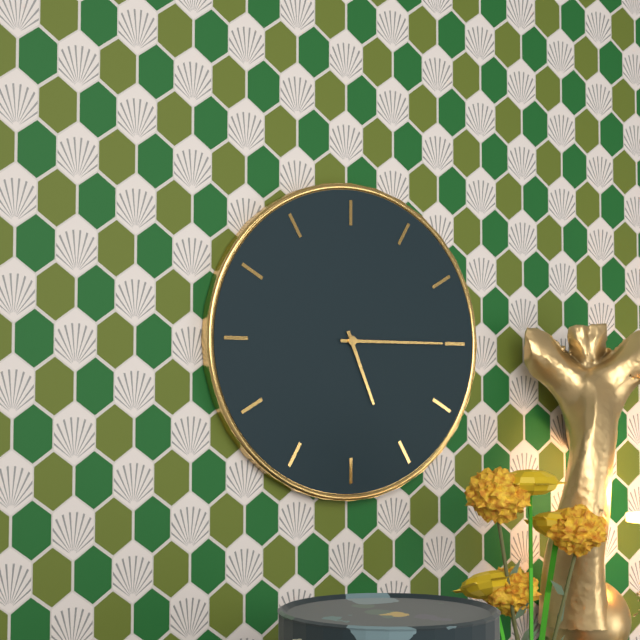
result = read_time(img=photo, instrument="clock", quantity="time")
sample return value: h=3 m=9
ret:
h=5 m=15
